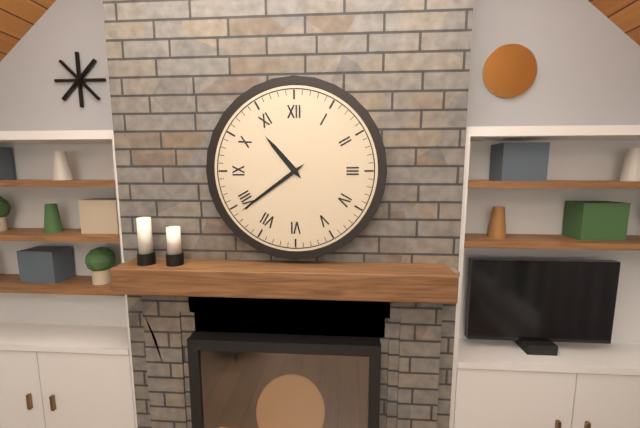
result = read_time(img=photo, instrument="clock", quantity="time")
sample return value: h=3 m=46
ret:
h=10 m=39
